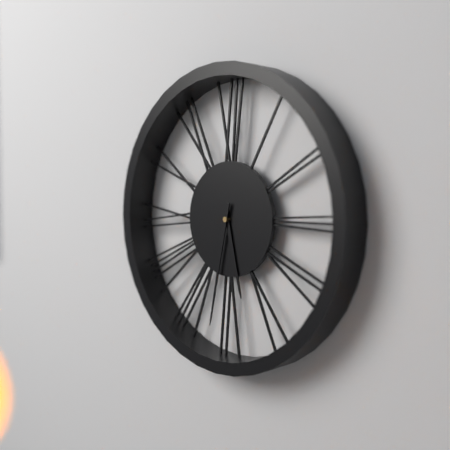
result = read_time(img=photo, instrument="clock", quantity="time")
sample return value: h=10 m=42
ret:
h=5 m=32
